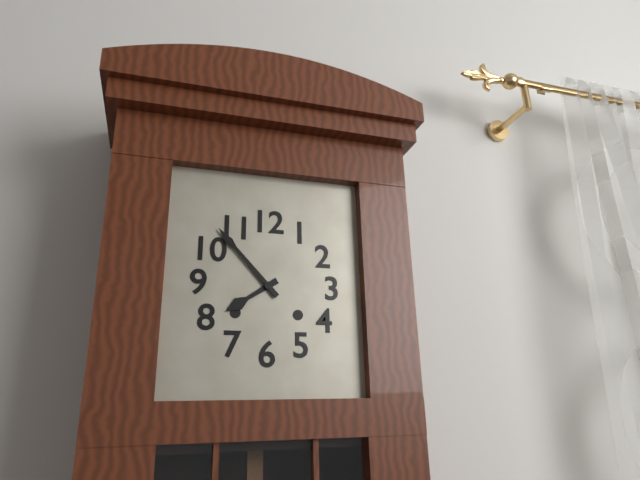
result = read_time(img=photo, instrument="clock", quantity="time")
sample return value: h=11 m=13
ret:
h=7 m=53
